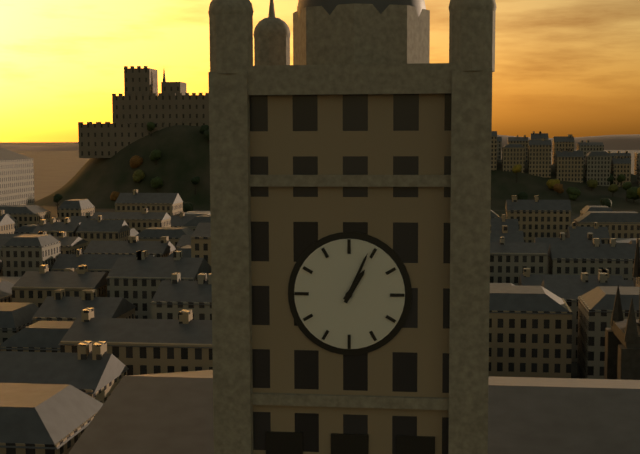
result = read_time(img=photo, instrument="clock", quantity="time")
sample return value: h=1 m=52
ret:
h=1 m=4
